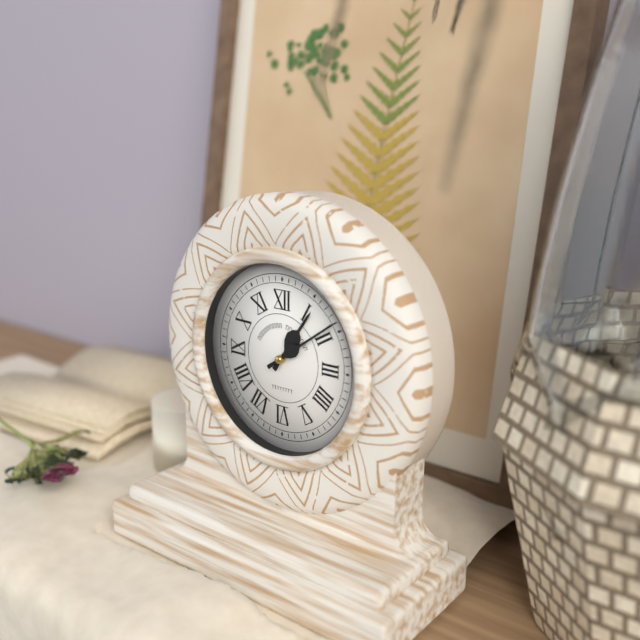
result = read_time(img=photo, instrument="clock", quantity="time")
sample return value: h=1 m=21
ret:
h=1 m=9
